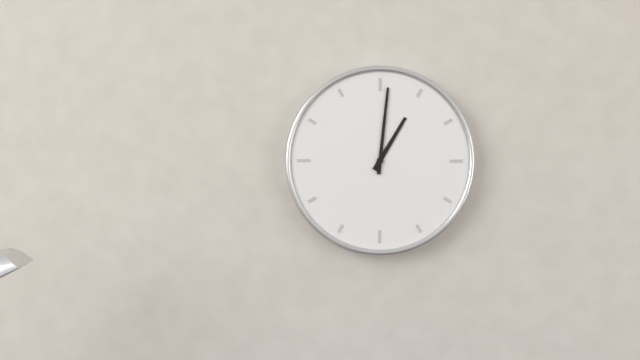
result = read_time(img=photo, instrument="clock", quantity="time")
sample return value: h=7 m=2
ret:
h=1 m=1
